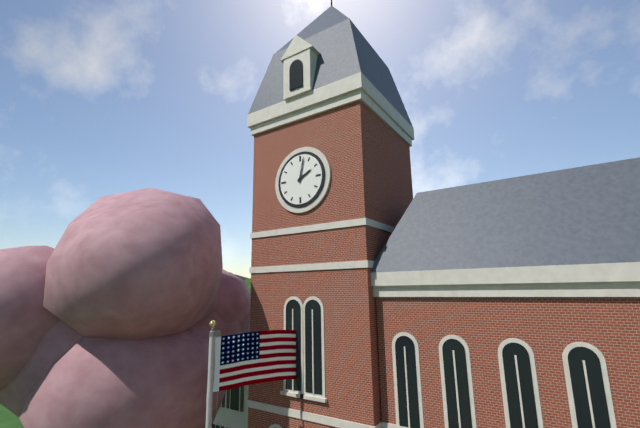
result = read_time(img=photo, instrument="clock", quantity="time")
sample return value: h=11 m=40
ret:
h=2 m=2
